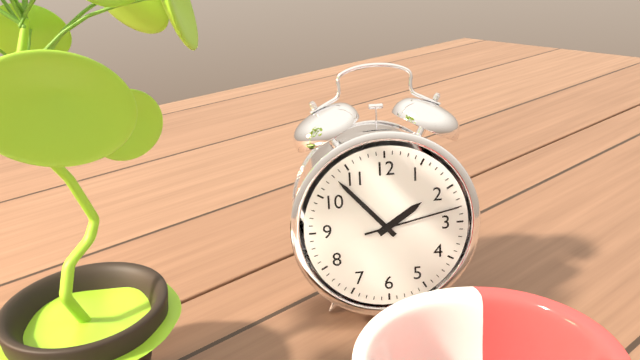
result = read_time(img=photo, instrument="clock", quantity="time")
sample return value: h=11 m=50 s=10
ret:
h=1 m=53 s=13
